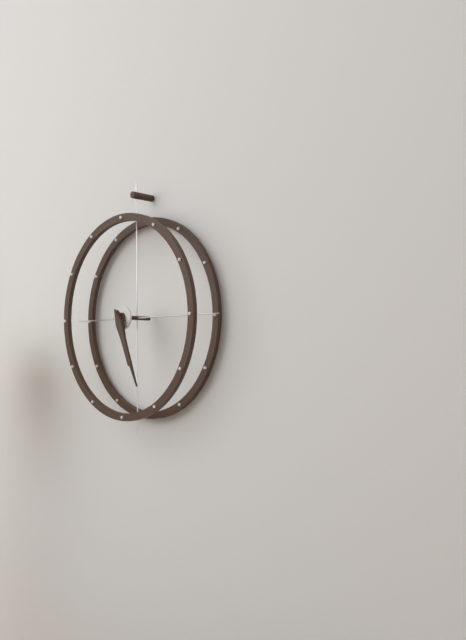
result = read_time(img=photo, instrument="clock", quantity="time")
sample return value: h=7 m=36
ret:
h=5 m=26
